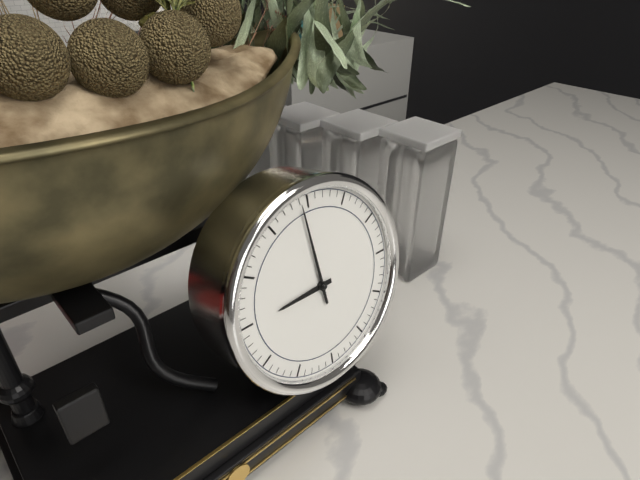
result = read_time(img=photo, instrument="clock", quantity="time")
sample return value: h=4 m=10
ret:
h=8 m=59
